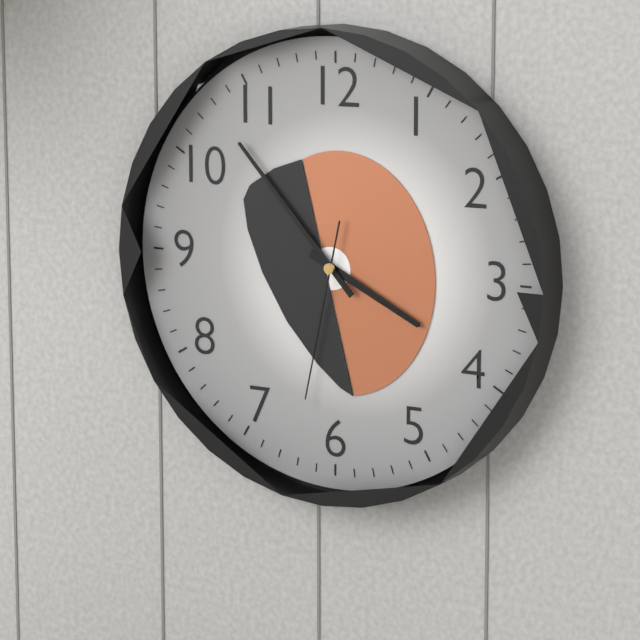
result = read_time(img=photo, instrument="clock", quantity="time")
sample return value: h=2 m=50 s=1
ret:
h=3 m=53 s=32
